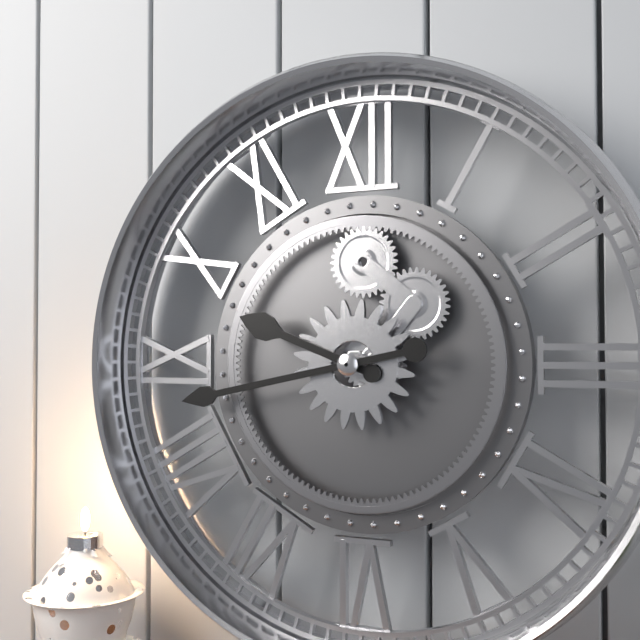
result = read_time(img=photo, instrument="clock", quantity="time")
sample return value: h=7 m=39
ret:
h=9 m=43
